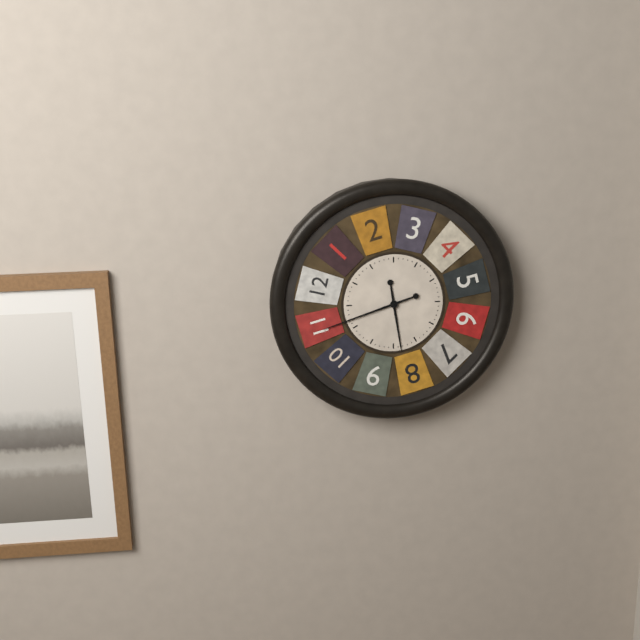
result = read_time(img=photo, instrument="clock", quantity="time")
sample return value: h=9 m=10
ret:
h=5 m=42
